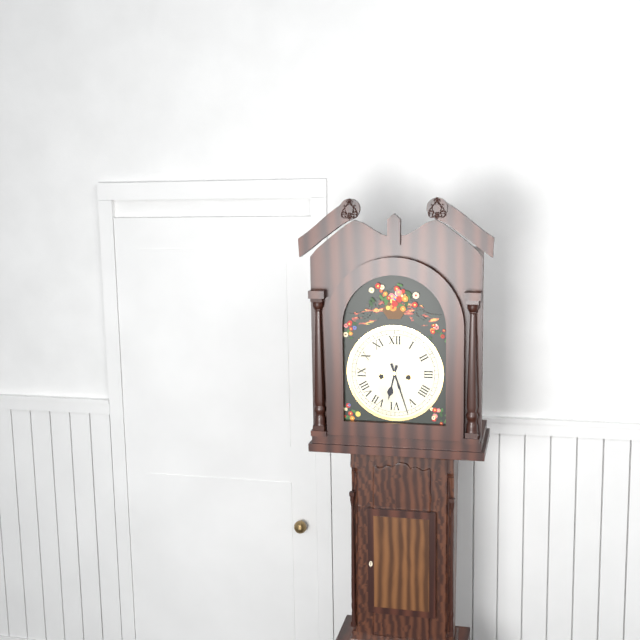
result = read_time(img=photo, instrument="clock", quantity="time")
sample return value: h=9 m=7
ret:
h=6 m=27
